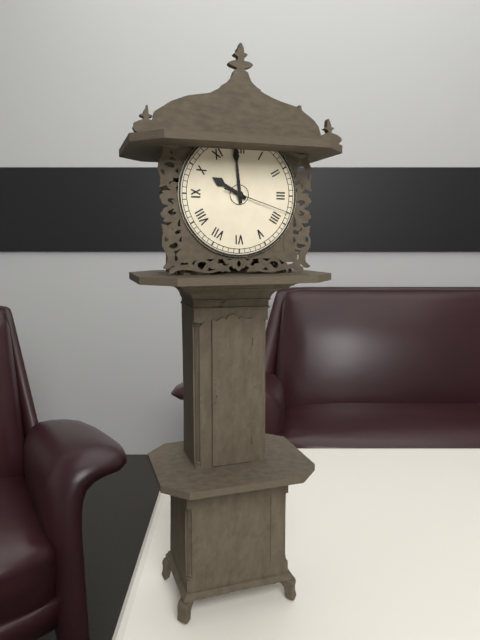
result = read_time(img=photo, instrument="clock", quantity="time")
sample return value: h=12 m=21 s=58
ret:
h=9 m=59 s=18
